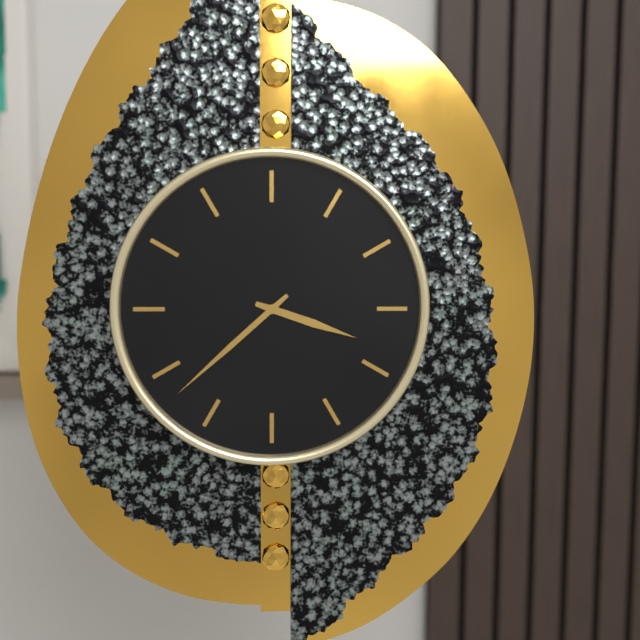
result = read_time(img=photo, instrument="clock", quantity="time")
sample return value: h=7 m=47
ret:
h=3 m=38
